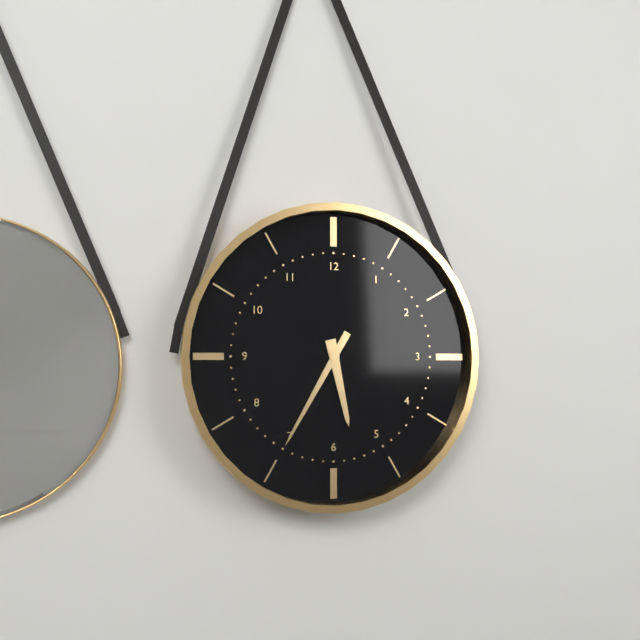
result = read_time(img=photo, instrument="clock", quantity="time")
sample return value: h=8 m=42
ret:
h=5 m=35
